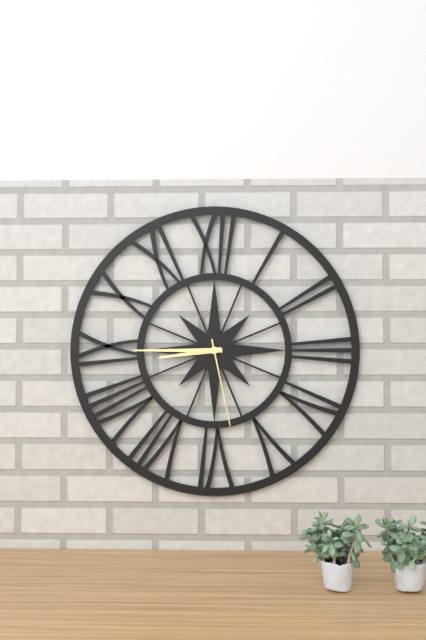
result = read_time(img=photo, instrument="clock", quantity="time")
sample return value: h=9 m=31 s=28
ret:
h=8 m=45 s=28
